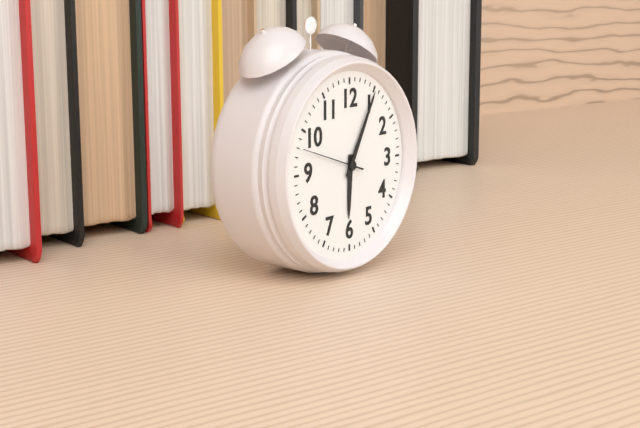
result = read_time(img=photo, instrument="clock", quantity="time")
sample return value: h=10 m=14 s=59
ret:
h=6 m=5 s=48
